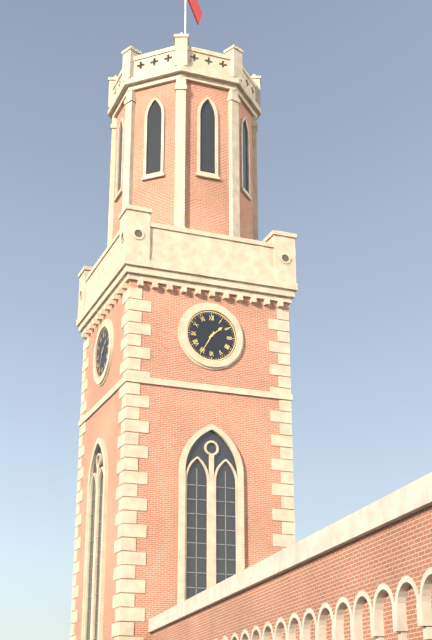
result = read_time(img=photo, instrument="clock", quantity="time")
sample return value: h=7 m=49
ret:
h=1 m=35
